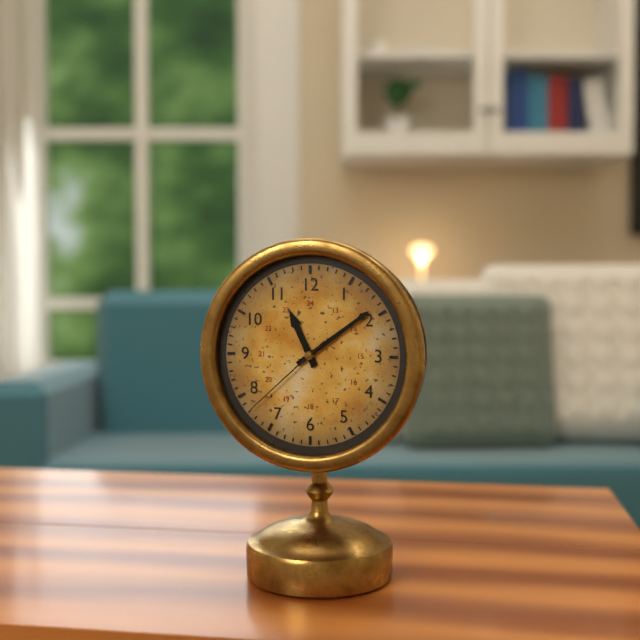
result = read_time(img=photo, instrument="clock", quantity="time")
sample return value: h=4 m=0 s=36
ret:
h=11 m=9 s=38
